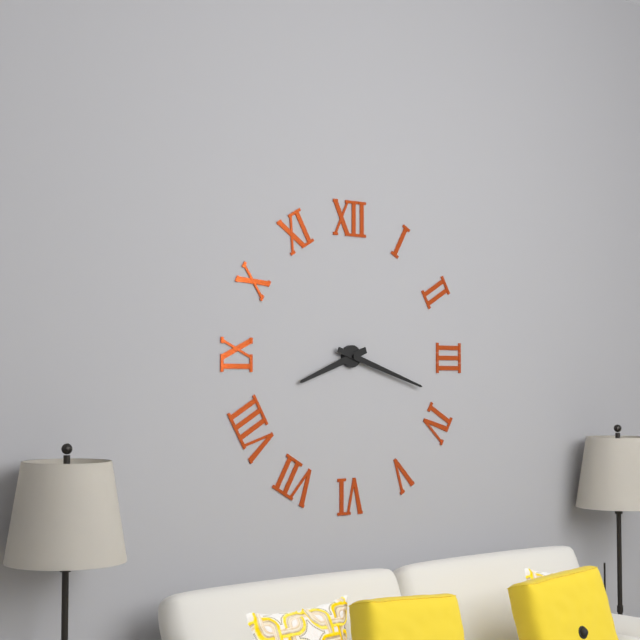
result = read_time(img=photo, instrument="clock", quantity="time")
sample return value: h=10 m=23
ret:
h=8 m=18
